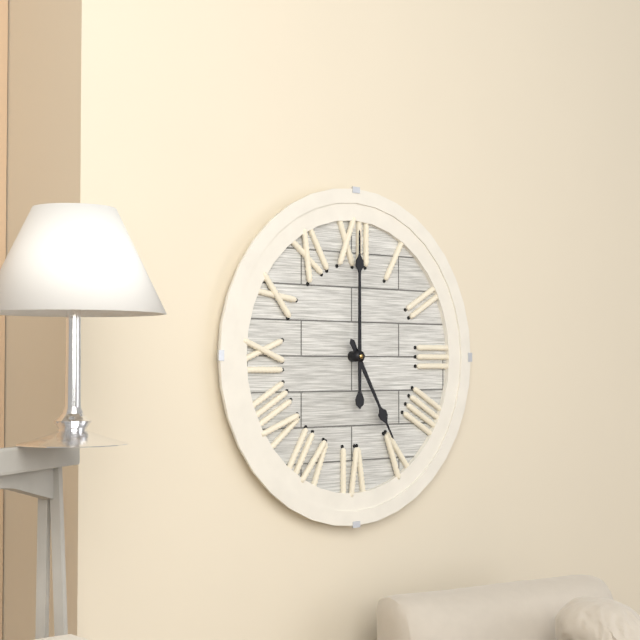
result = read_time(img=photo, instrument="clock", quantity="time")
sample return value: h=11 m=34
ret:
h=5 m=0
